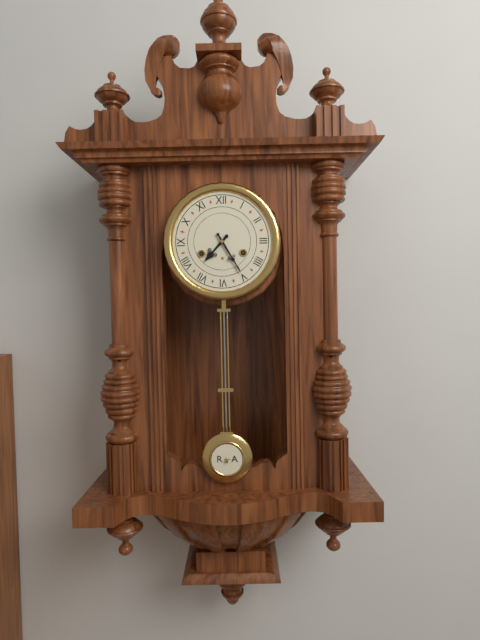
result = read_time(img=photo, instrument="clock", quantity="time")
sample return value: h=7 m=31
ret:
h=7 m=25
